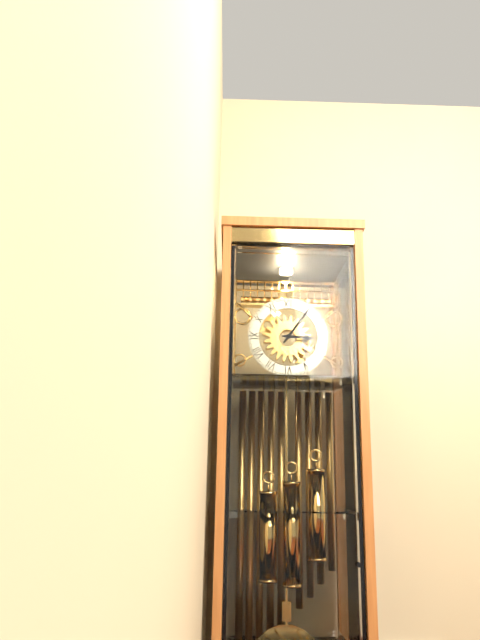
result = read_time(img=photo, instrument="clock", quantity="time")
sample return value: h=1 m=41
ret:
h=3 m=6
